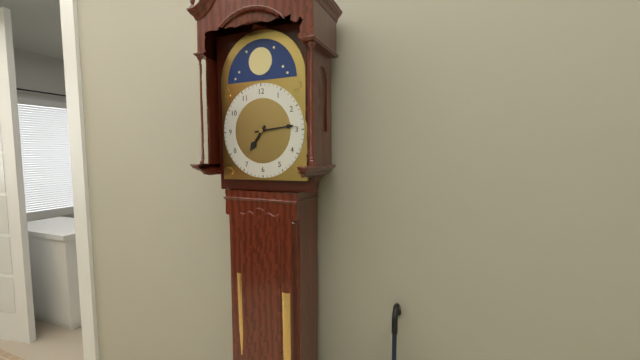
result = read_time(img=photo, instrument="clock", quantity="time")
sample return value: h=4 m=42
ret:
h=7 m=14
